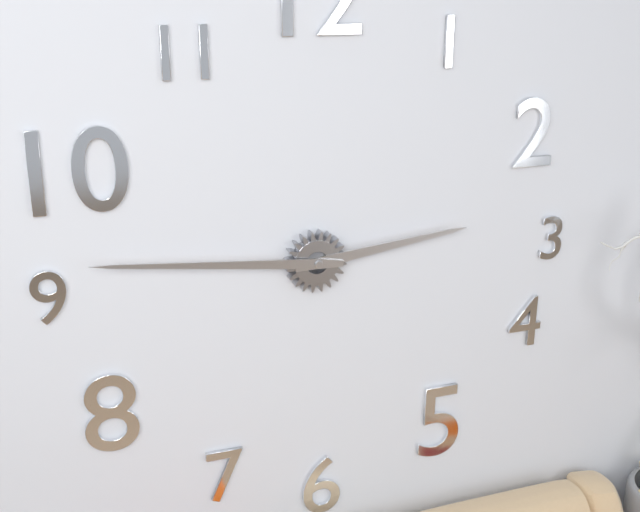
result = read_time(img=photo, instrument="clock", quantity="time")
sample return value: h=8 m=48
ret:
h=2 m=46
